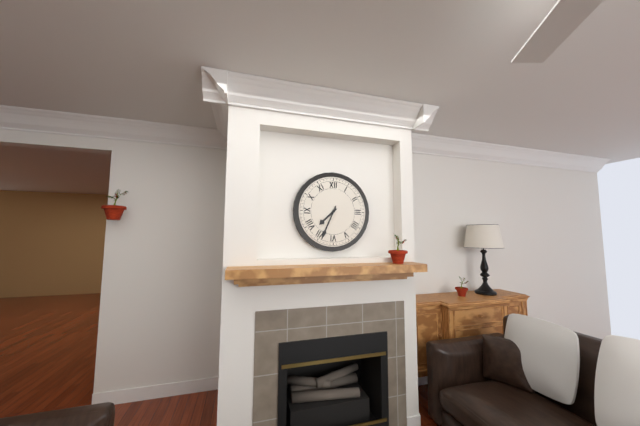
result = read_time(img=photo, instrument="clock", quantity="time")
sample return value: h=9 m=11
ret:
h=7 m=34
